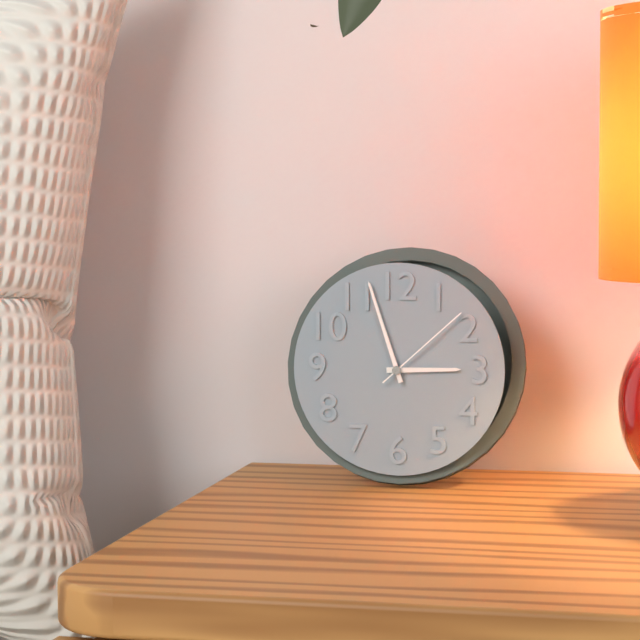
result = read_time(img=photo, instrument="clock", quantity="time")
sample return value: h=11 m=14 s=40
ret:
h=2 m=57 s=8
